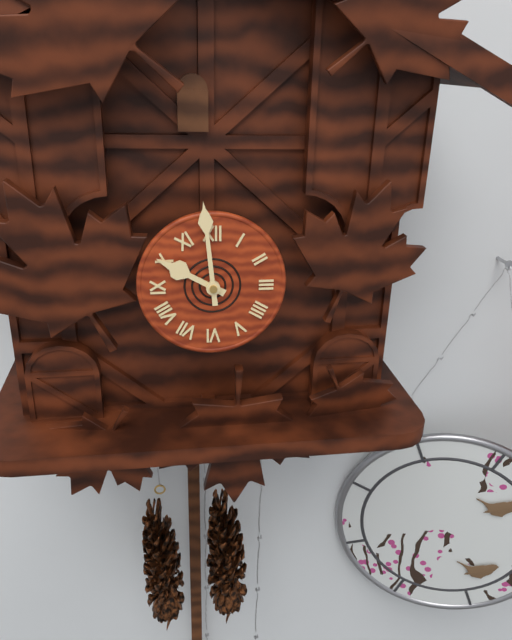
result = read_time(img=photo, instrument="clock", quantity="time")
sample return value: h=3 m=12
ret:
h=9 m=59
